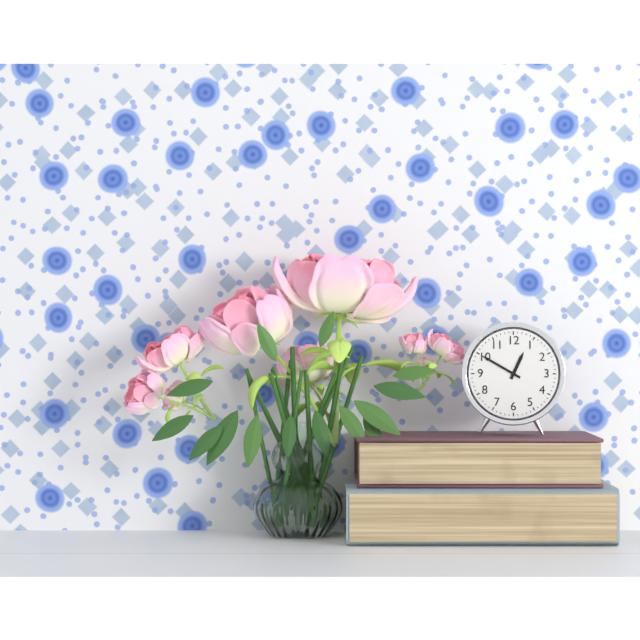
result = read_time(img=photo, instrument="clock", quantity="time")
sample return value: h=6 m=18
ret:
h=12 m=50
